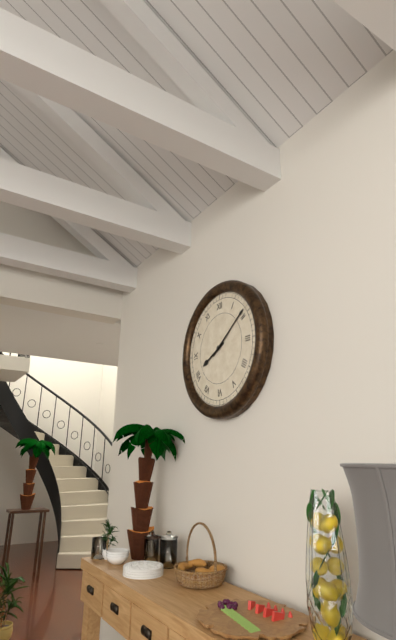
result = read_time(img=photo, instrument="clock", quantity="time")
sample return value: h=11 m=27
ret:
h=8 m=9
